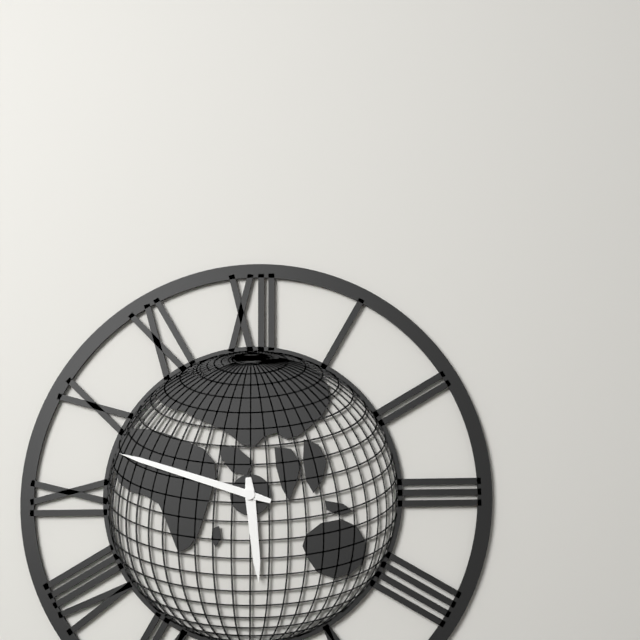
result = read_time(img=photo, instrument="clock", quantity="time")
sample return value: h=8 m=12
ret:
h=5 m=48
